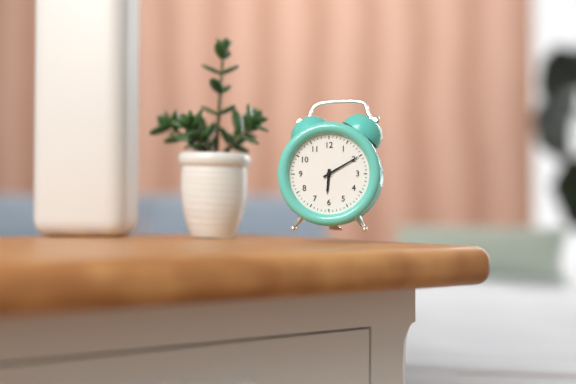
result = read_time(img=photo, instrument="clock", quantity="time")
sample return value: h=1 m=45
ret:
h=6 m=10
